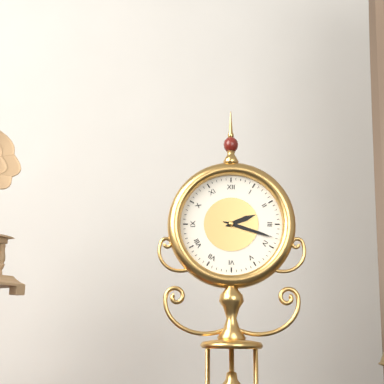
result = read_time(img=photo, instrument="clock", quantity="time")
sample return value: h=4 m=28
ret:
h=2 m=18
